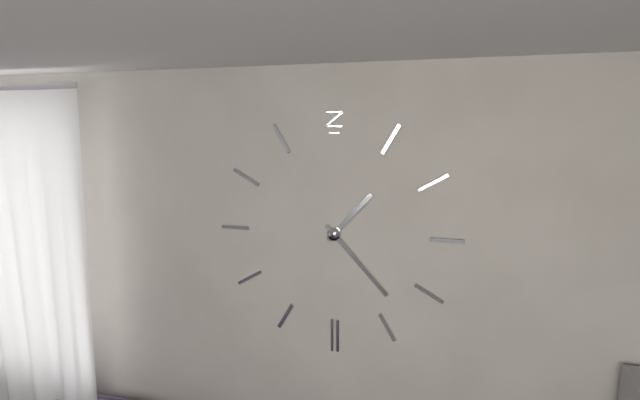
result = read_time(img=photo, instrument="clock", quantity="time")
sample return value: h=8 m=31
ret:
h=1 m=23
